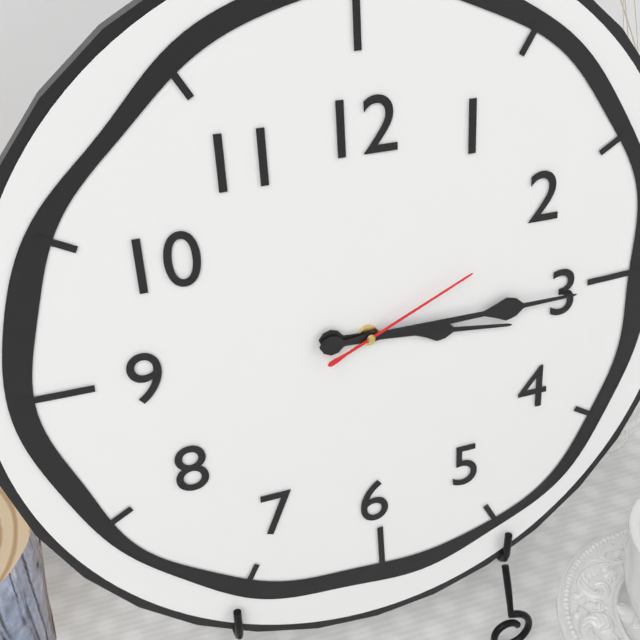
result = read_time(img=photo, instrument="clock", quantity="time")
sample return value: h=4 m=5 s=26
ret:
h=3 m=15 s=11
